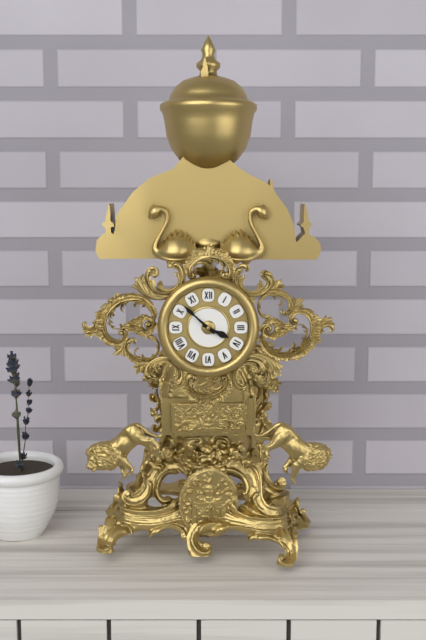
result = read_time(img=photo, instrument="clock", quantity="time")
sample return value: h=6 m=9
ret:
h=3 m=52
